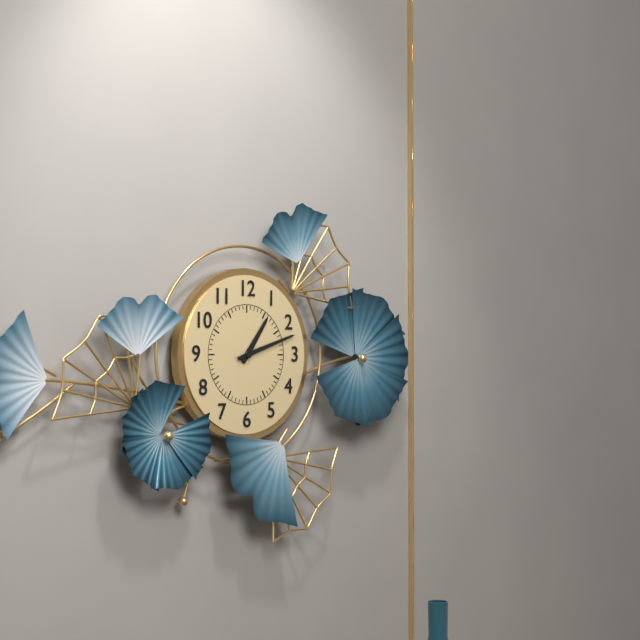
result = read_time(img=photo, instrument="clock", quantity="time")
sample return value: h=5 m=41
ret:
h=1 m=12
